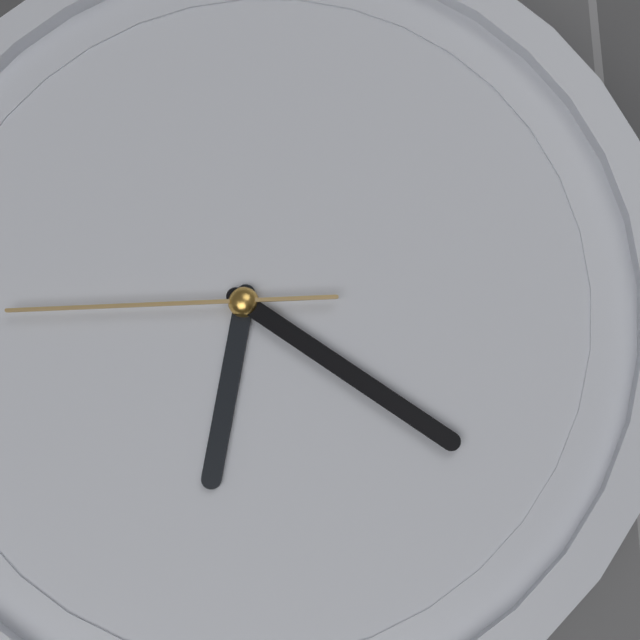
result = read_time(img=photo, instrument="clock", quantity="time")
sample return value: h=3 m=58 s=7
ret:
h=6 m=21 s=45
